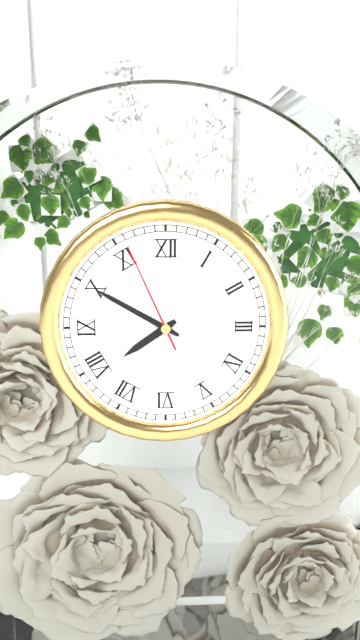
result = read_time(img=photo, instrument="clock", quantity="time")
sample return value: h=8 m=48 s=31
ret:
h=7 m=50 s=56
